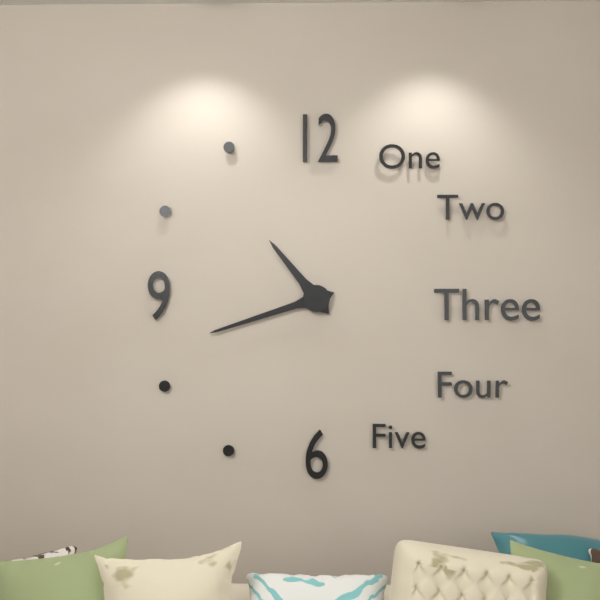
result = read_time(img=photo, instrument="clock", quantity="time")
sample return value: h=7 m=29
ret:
h=10 m=42
